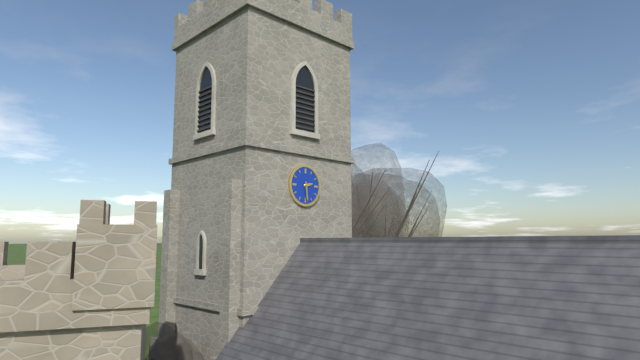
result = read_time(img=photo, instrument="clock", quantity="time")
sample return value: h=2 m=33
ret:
h=2 m=29
